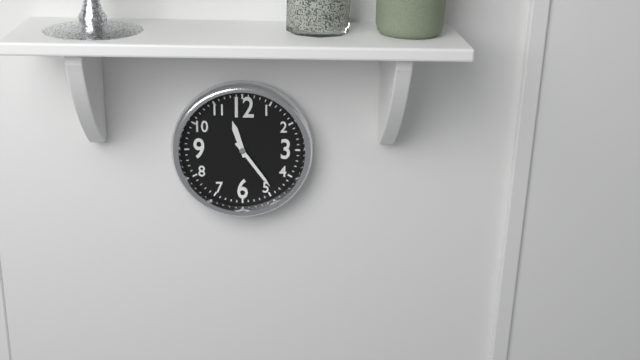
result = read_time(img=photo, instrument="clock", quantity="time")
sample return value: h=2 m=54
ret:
h=11 m=24
